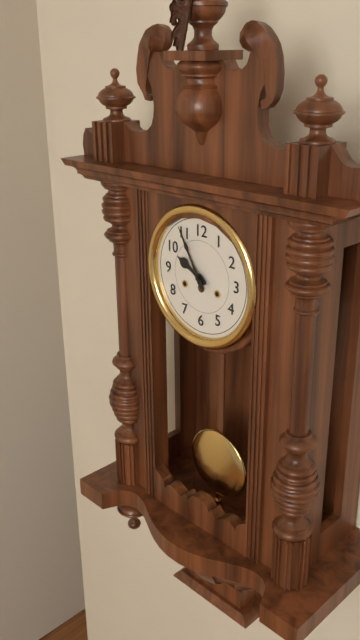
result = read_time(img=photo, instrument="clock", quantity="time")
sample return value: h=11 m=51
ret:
h=9 m=55
